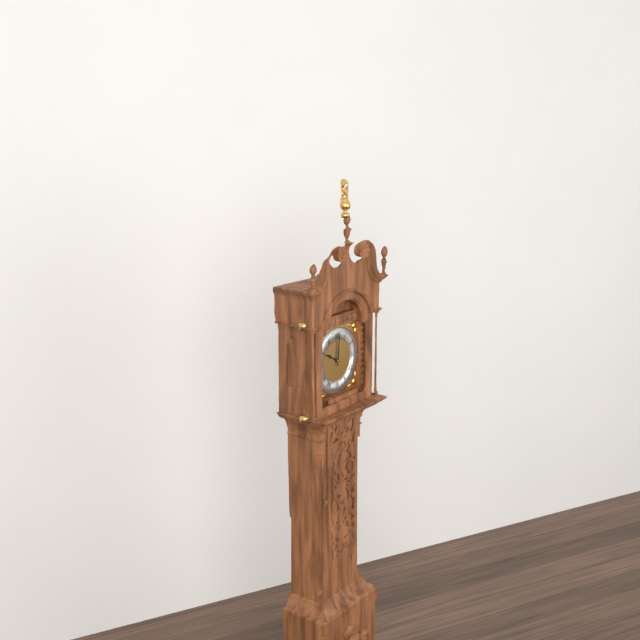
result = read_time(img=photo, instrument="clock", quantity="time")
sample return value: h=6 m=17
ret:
h=10 m=1
